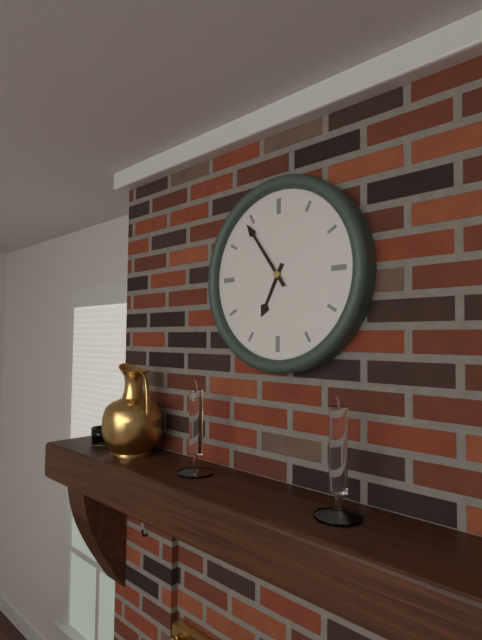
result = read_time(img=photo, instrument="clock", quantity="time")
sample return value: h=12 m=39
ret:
h=6 m=54
